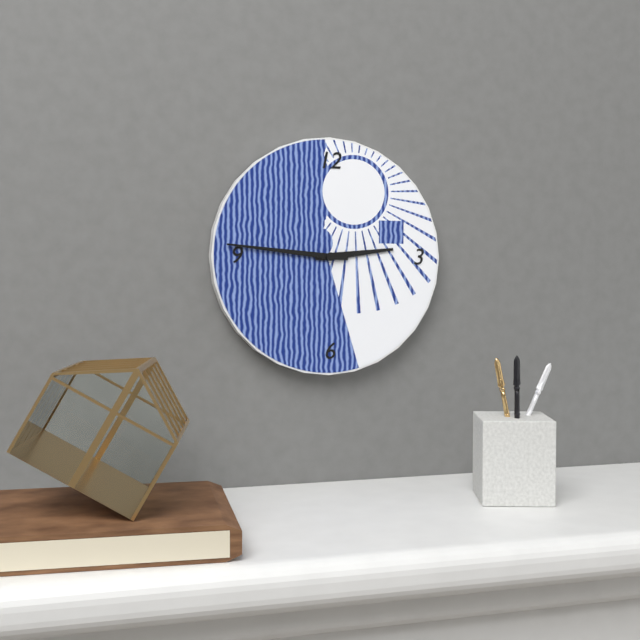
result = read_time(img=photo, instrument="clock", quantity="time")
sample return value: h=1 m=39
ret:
h=2 m=46
